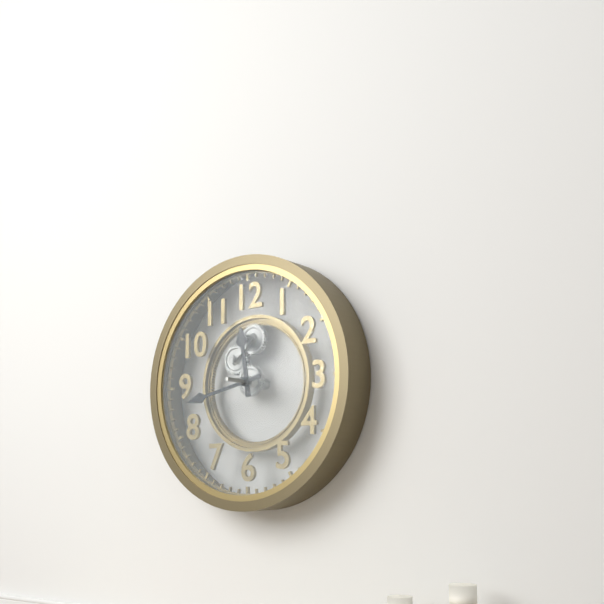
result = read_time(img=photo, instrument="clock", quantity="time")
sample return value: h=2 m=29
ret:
h=11 m=43
